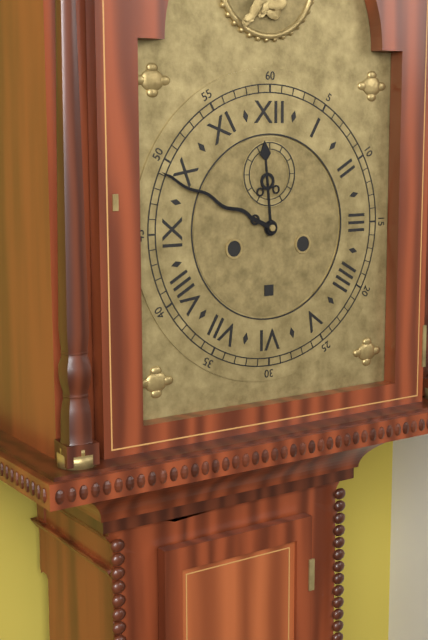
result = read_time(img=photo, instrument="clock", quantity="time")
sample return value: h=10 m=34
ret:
h=11 m=49
